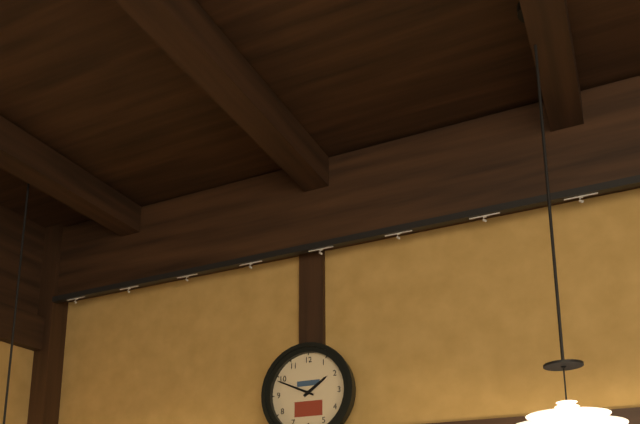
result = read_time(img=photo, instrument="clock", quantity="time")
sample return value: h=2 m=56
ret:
h=1 m=49
